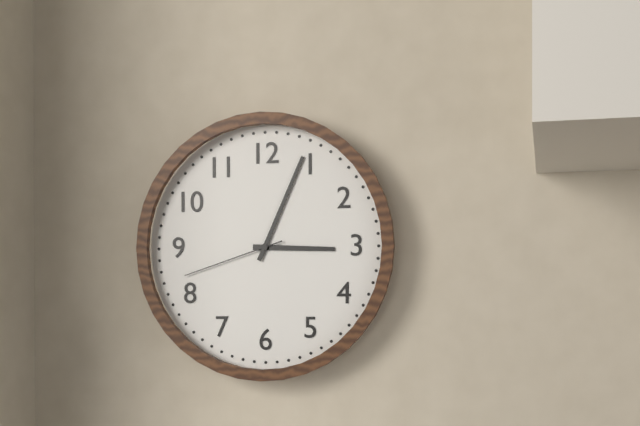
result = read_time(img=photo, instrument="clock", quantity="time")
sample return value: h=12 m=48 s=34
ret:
h=3 m=4 s=42
